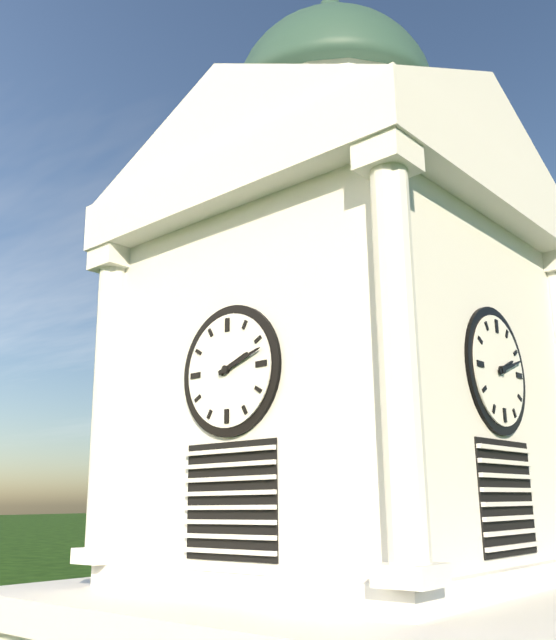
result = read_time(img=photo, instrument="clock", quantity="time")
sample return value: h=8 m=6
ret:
h=2 m=12
